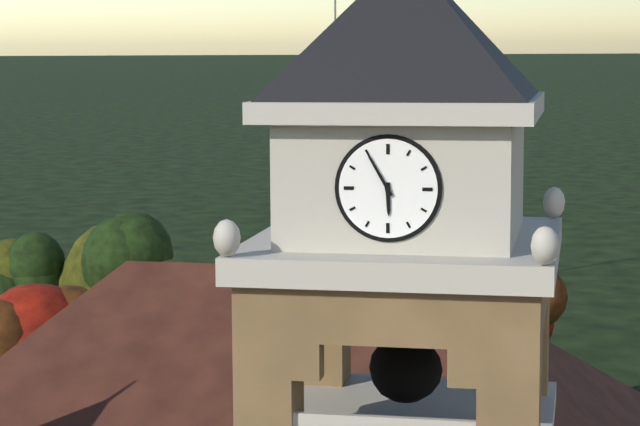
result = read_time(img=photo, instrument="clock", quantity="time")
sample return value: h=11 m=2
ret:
h=5 m=55
